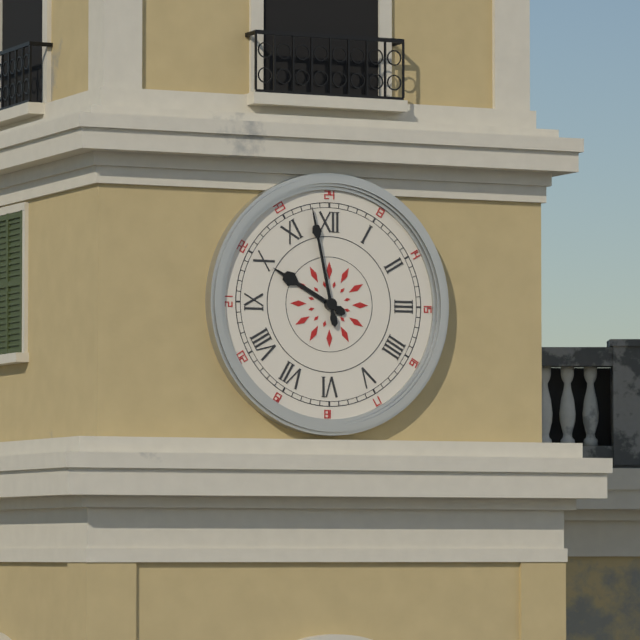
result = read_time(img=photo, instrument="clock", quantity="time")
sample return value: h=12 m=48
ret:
h=9 m=58
